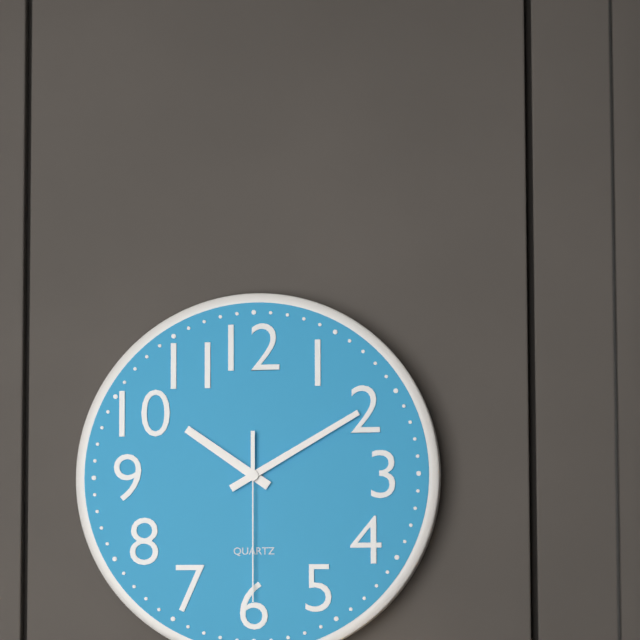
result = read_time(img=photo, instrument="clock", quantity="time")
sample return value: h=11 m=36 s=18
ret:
h=10 m=10 s=30
